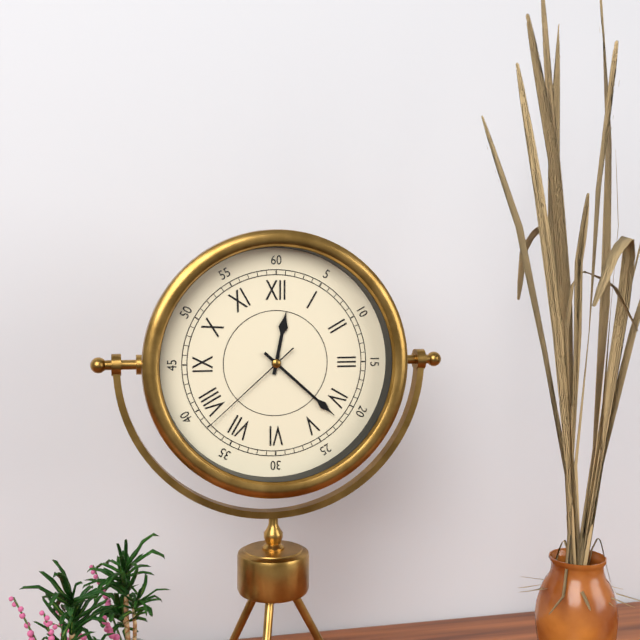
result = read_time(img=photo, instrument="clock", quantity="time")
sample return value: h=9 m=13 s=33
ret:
h=12 m=22 s=38
